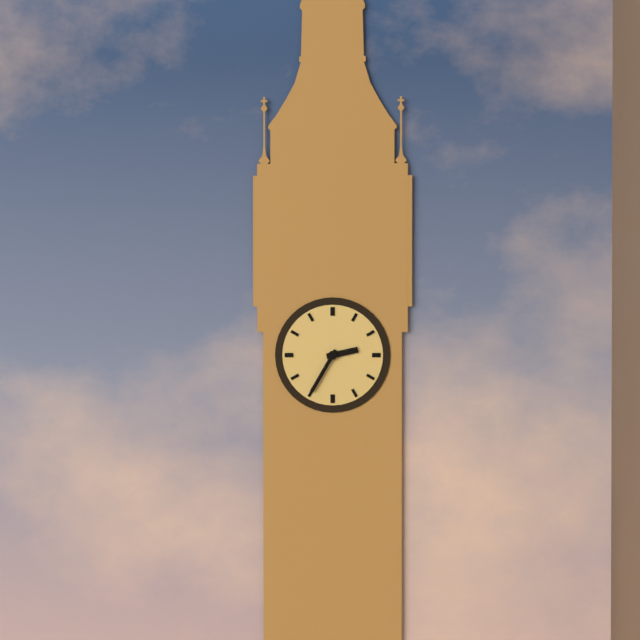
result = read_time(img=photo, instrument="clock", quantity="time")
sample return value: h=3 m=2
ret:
h=2 m=35
